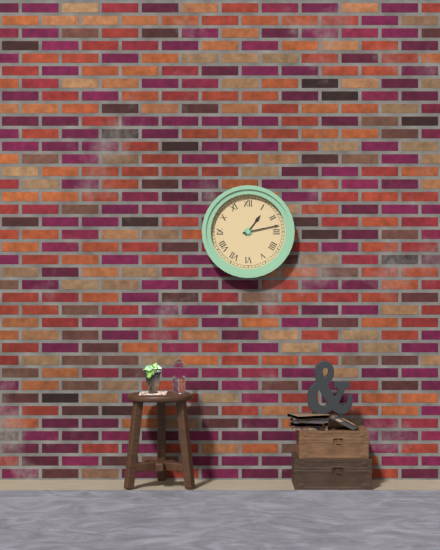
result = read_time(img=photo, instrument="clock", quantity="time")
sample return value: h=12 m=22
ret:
h=1 m=13
